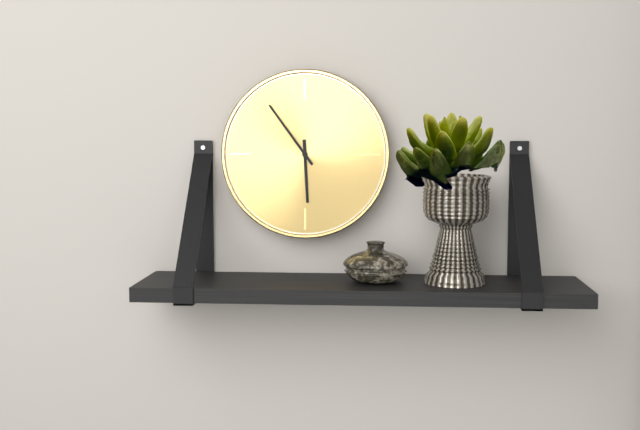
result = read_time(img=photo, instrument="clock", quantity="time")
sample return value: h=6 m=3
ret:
h=5 m=54
